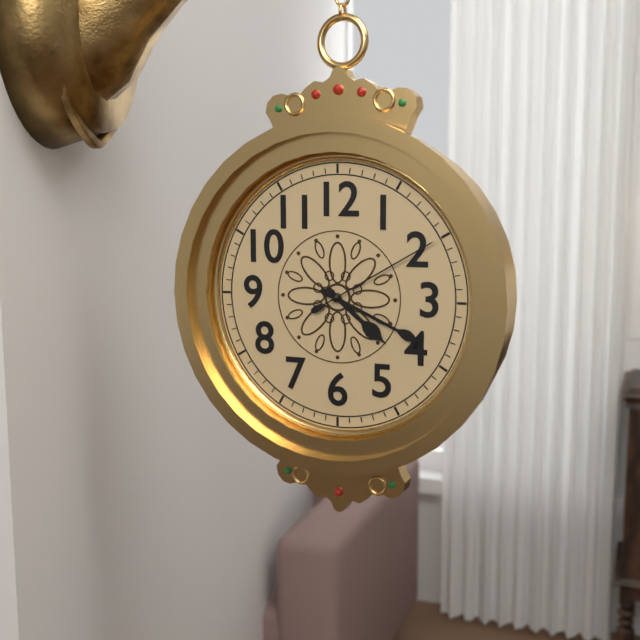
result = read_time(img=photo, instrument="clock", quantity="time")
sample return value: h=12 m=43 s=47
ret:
h=4 m=19 s=10
